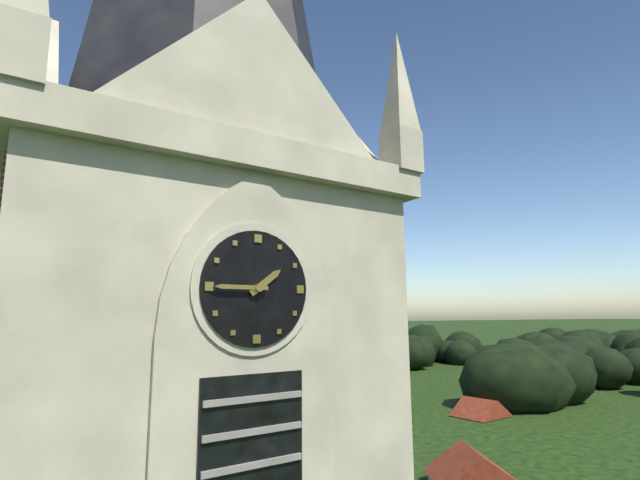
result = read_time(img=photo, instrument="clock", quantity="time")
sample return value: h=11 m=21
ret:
h=1 m=45
